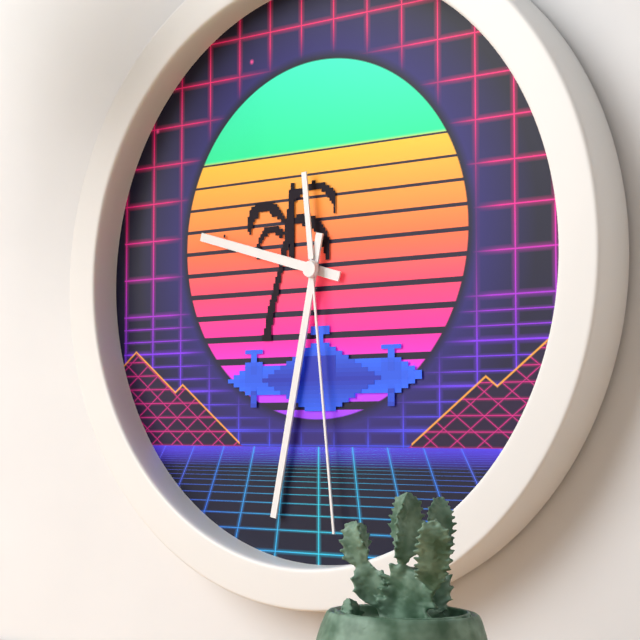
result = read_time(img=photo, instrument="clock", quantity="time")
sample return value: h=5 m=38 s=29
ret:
h=9 m=32 s=29
